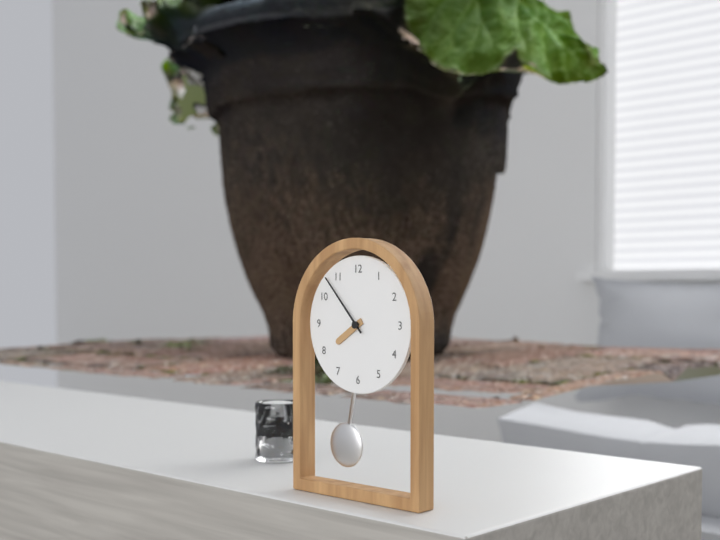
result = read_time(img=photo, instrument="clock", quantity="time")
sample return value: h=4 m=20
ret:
h=7 m=53
